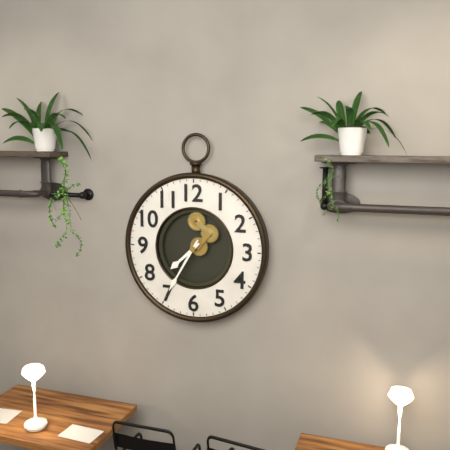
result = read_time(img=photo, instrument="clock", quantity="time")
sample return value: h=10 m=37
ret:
h=7 m=35
